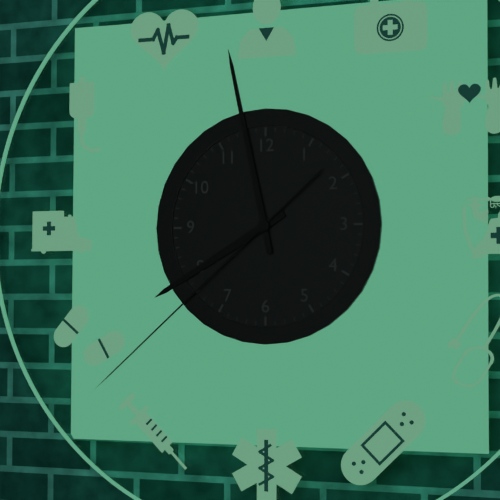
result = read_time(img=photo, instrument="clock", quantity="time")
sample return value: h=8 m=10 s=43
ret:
h=7 m=58 s=38
